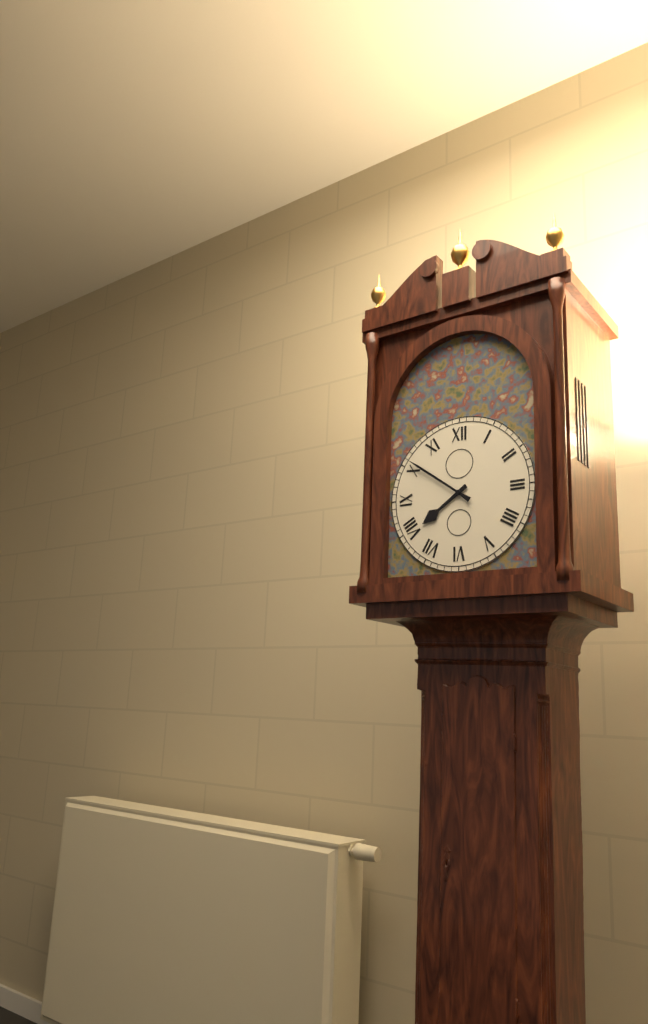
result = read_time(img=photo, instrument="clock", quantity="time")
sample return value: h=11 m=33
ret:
h=7 m=51
